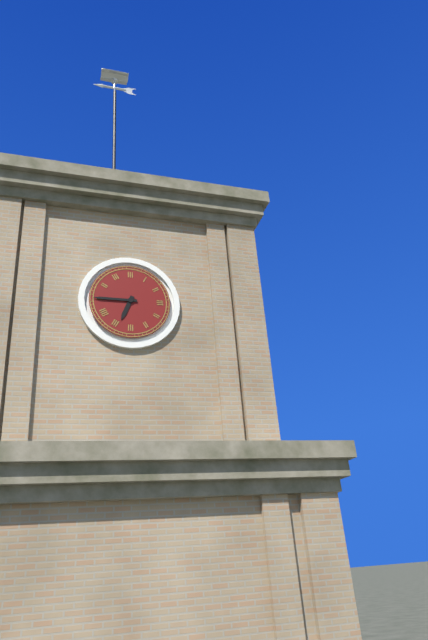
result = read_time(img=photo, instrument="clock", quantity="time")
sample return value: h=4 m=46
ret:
h=6 m=45
